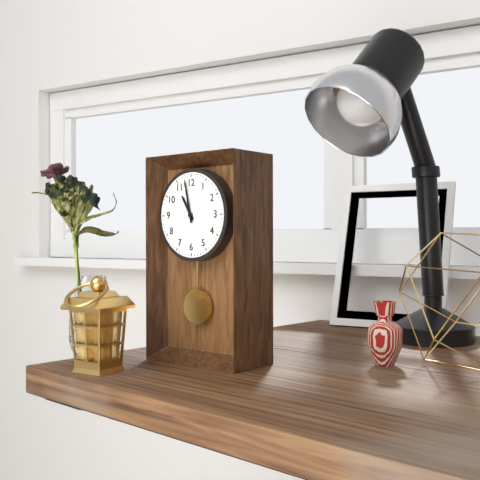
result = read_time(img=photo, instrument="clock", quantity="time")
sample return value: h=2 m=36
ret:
h=10 m=58
